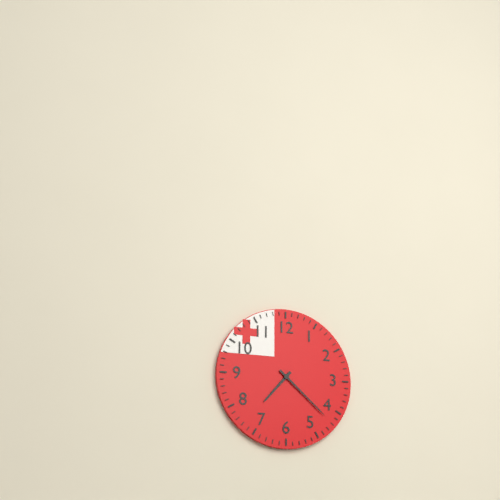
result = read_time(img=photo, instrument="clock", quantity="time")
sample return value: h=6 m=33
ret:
h=7 m=22
